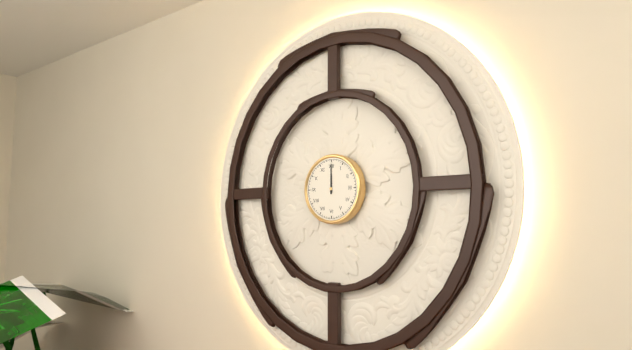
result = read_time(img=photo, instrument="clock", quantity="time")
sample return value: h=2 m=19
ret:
h=12 m=0
